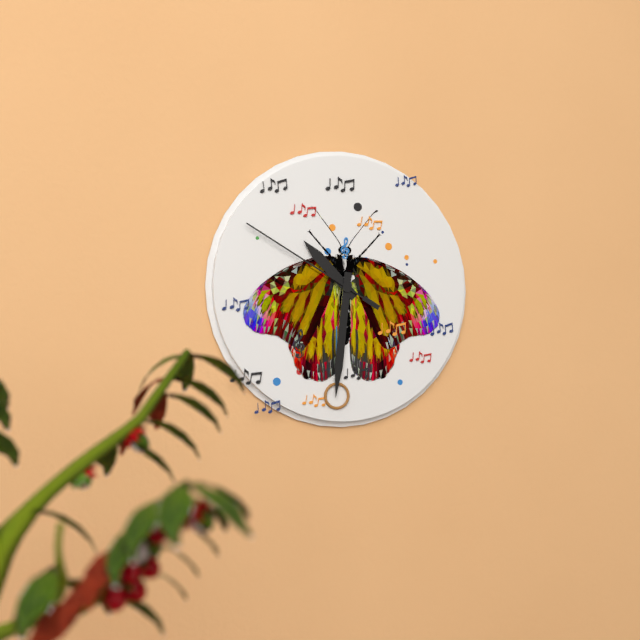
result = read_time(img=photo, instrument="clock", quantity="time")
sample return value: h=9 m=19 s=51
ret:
h=10 m=31 s=50
